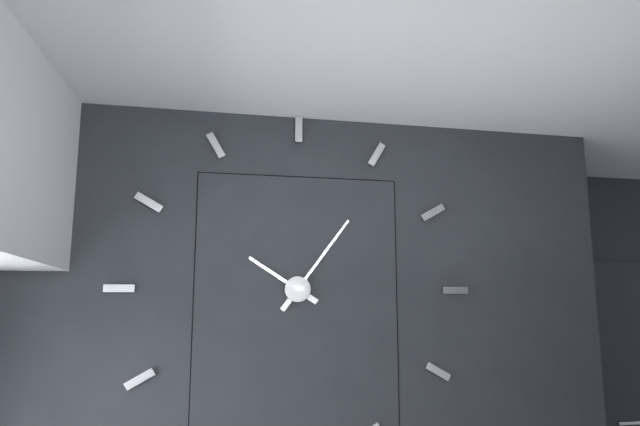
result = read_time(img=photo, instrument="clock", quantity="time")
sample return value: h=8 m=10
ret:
h=10 m=6
